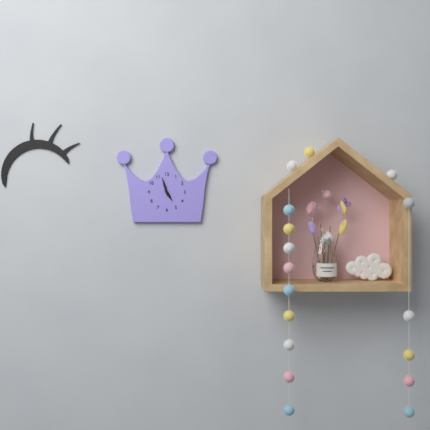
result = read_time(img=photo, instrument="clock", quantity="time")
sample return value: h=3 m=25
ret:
h=4 m=57
